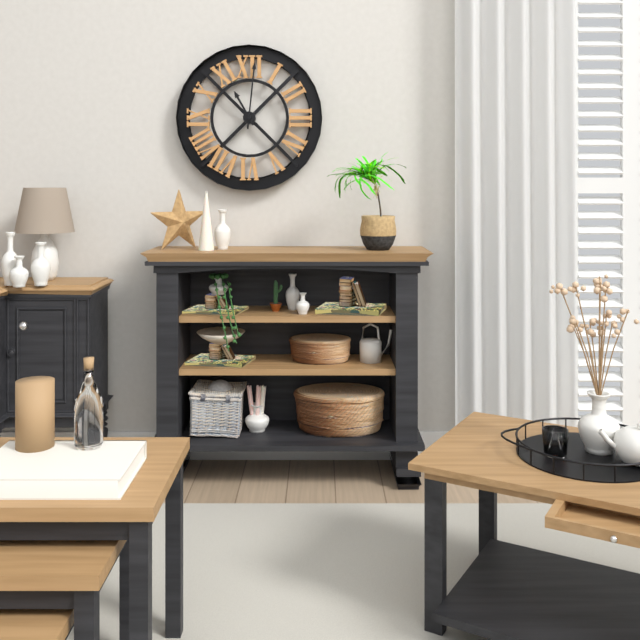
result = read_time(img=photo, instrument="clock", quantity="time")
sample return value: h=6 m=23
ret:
h=11 m=1
